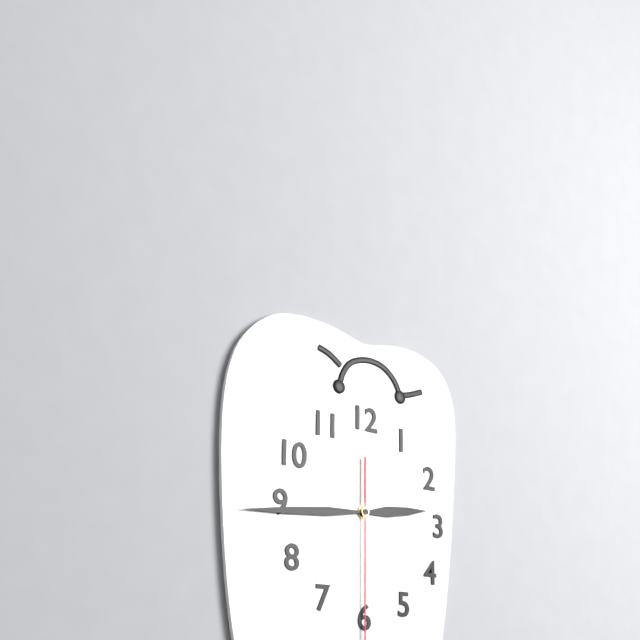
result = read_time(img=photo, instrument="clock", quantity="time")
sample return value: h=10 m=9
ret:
h=2 m=44
